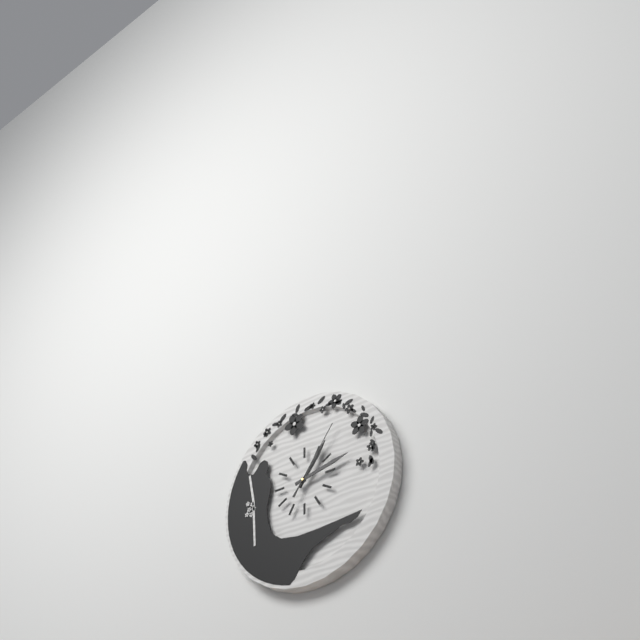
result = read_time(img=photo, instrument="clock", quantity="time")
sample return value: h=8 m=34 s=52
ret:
h=1 m=13 s=6
